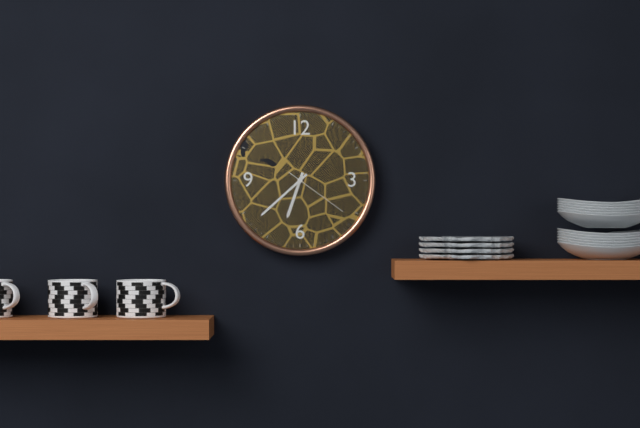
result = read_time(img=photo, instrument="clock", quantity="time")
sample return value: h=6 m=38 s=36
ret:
h=6 m=38 s=21
